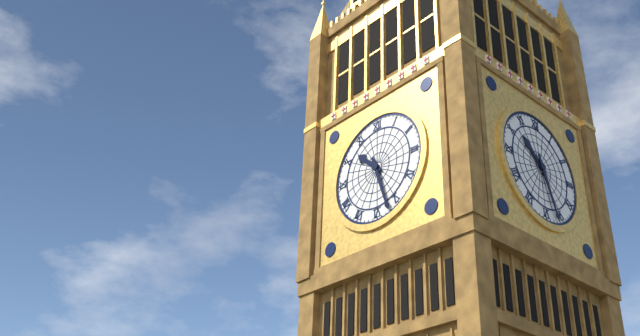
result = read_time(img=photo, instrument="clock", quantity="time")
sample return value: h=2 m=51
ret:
h=10 m=27
